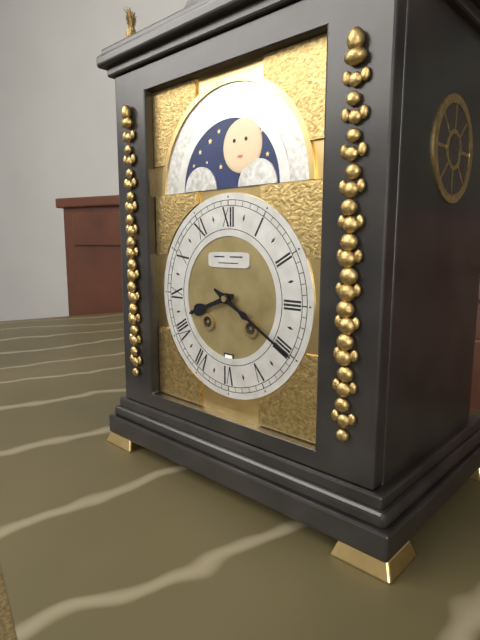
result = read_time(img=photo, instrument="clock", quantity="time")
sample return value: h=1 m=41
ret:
h=8 m=20
